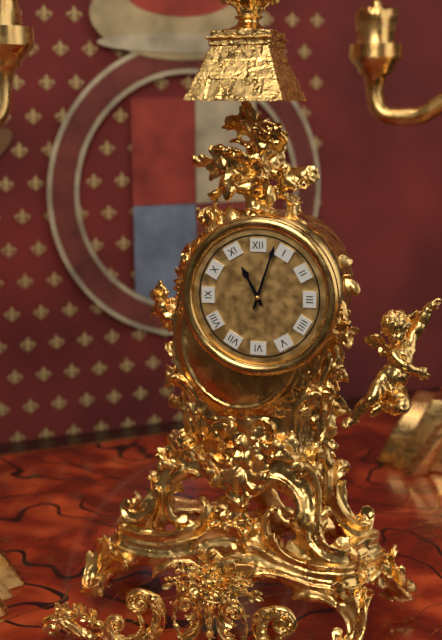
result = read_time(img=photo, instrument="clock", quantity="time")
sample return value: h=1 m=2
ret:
h=11 m=3
